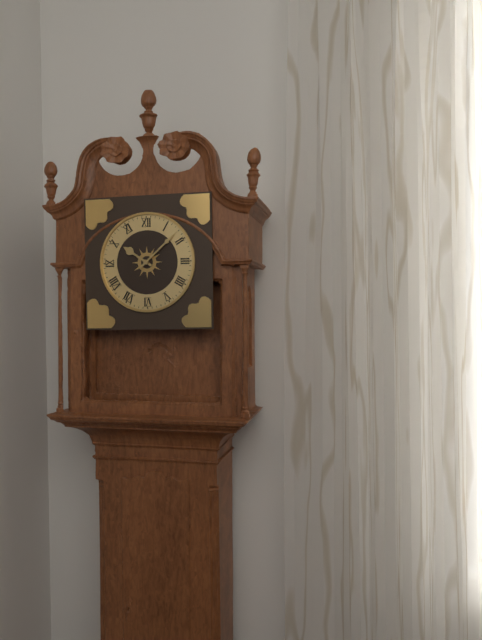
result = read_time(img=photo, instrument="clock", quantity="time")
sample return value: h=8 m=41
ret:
h=10 m=8
